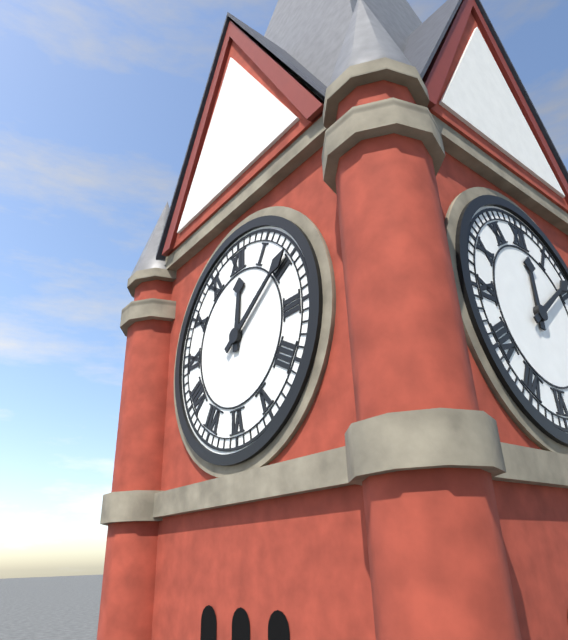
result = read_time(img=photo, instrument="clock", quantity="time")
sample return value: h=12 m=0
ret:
h=12 m=9
